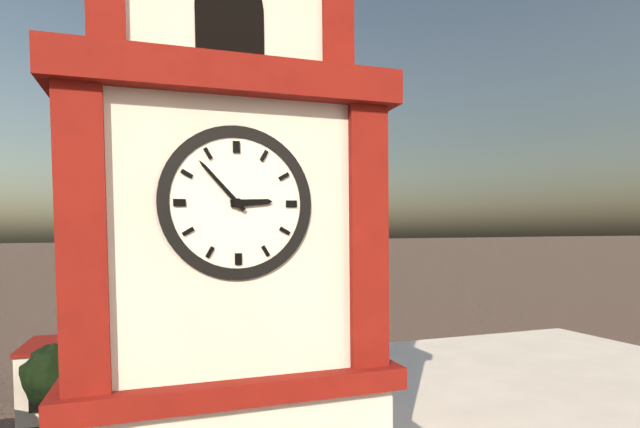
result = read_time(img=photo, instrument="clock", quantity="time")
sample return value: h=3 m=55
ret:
h=2 m=53
